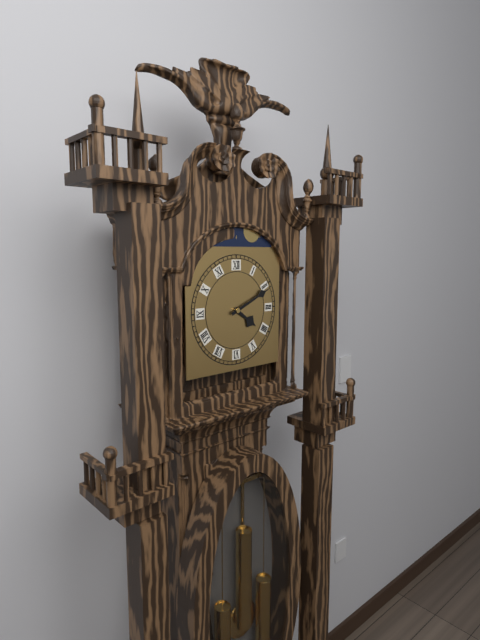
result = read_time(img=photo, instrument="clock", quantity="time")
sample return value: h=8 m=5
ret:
h=4 m=11
